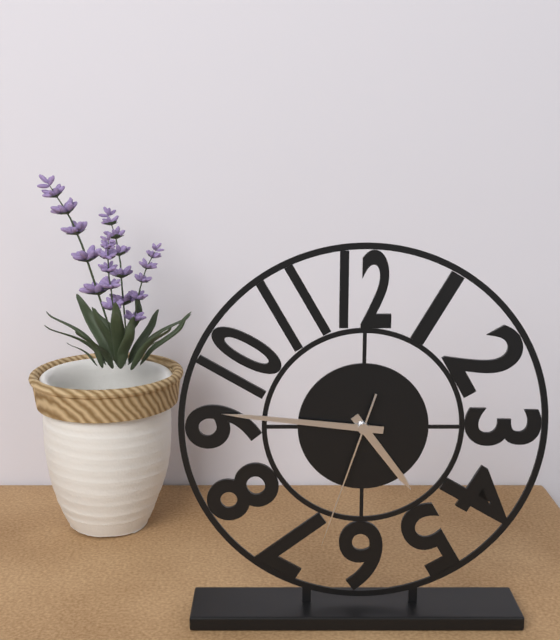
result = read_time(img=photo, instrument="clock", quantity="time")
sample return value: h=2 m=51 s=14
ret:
h=4 m=46 s=33
